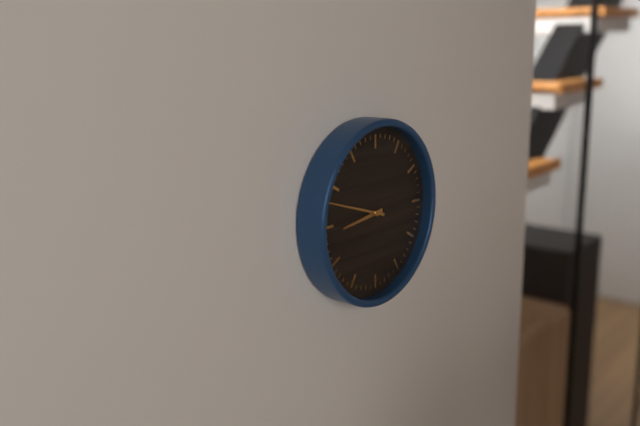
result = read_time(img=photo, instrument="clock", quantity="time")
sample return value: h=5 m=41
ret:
h=8 m=48
